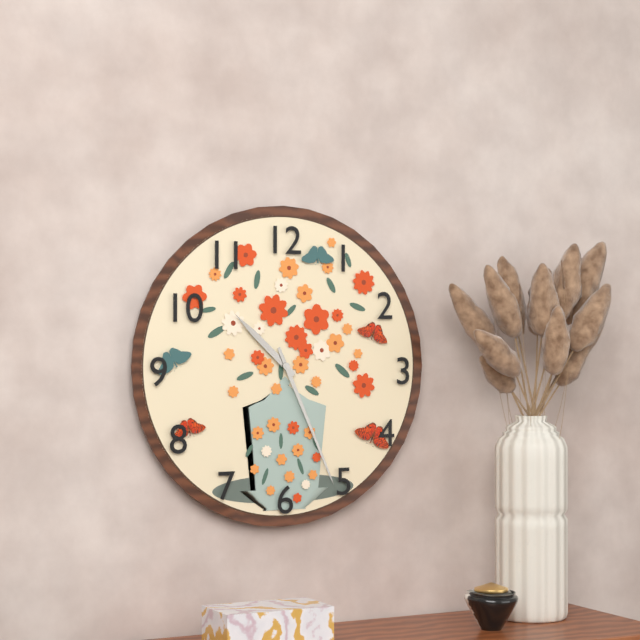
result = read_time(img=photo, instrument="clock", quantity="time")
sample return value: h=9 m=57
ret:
h=10 m=26
